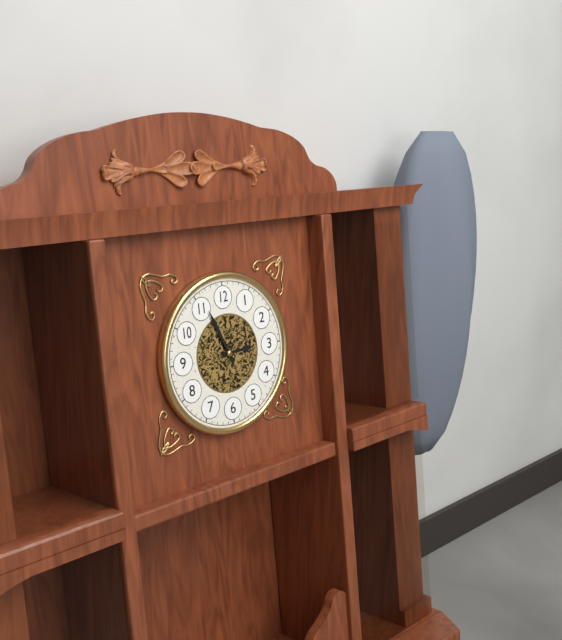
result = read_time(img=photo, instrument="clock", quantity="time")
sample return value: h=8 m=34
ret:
h=2 m=56
